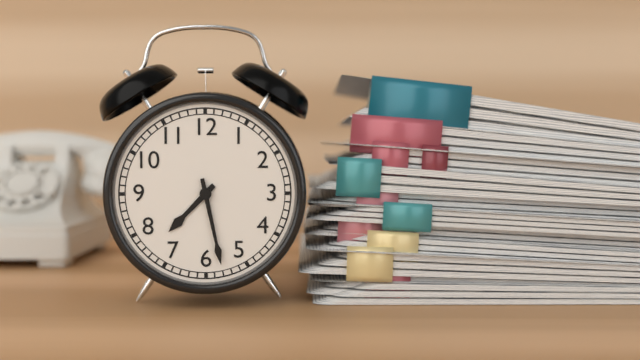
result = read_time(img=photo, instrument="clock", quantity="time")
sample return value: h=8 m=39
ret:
h=7 m=28
